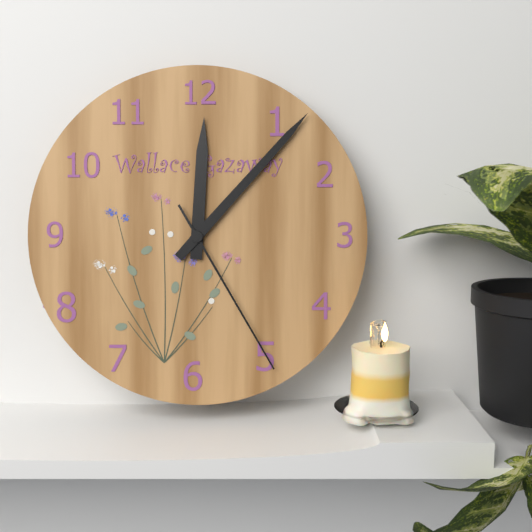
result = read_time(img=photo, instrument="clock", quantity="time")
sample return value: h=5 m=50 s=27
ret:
h=12 m=7 s=25
